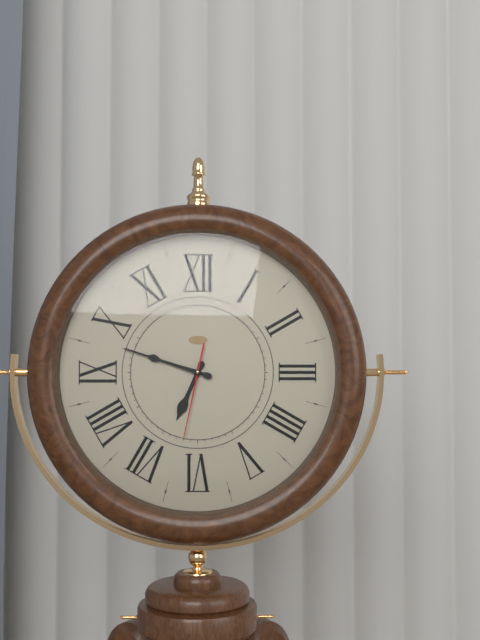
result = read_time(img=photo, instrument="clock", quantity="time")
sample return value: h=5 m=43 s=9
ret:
h=6 m=48 s=32
